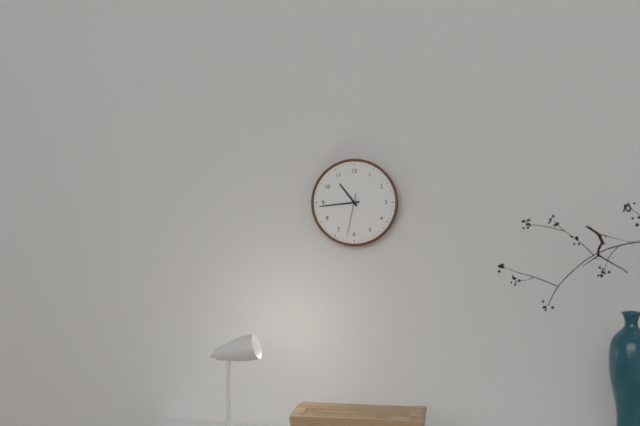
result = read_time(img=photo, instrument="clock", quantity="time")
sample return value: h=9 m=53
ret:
h=10 m=44
